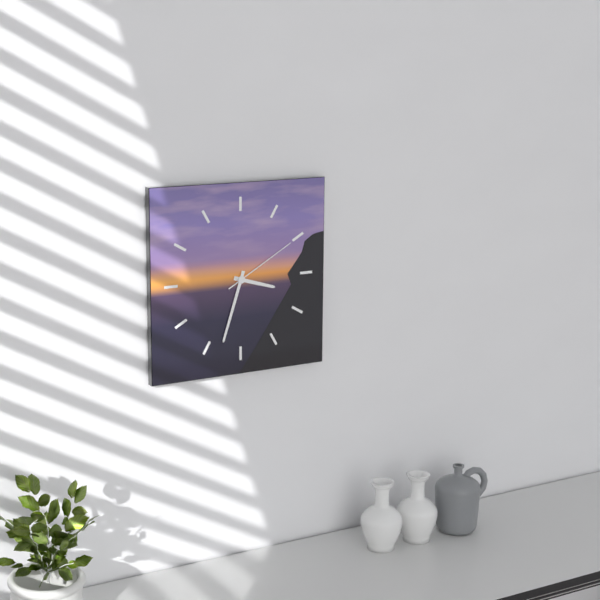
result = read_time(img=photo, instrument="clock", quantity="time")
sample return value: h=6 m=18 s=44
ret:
h=3 m=33 s=10
